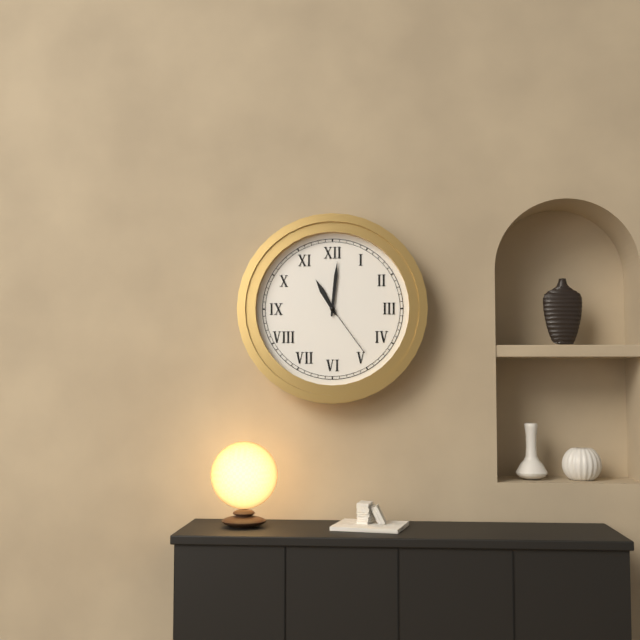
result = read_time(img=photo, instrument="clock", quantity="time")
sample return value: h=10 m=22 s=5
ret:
h=11 m=1 s=24
